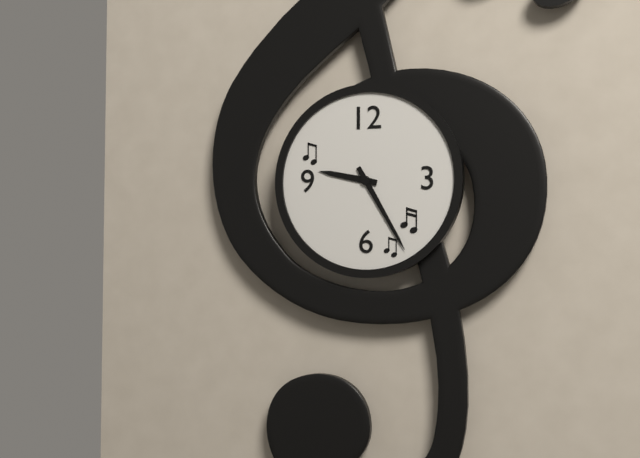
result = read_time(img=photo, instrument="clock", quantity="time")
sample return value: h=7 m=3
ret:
h=9 m=25
